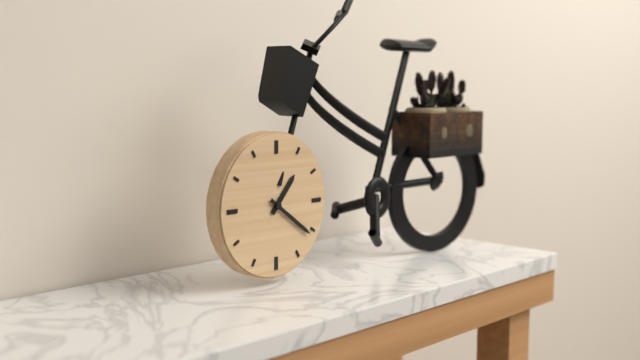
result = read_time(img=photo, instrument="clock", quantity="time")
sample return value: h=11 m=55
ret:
h=1 m=21
